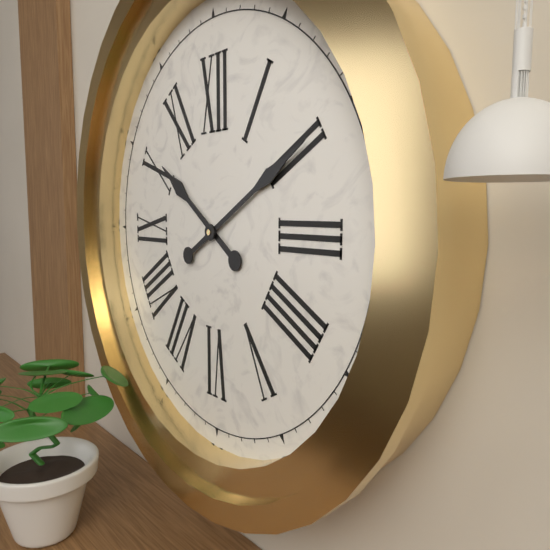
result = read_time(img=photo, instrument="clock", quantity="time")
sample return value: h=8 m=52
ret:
h=10 m=10
